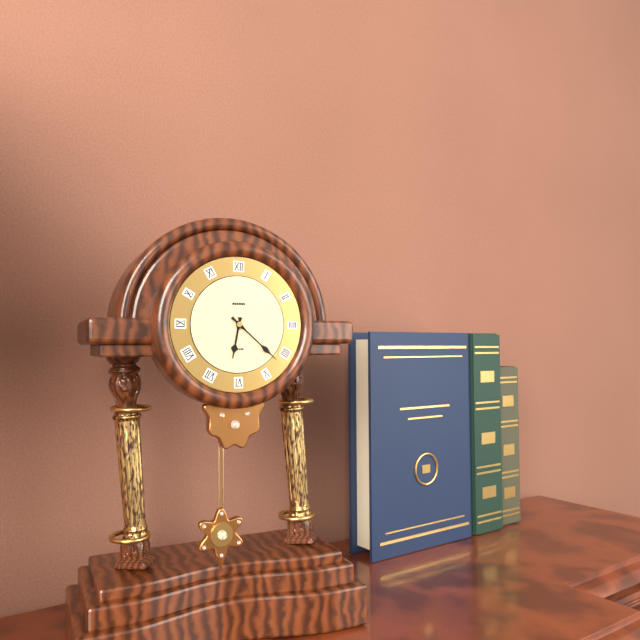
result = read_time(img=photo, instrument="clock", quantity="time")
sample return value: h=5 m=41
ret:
h=6 m=22
